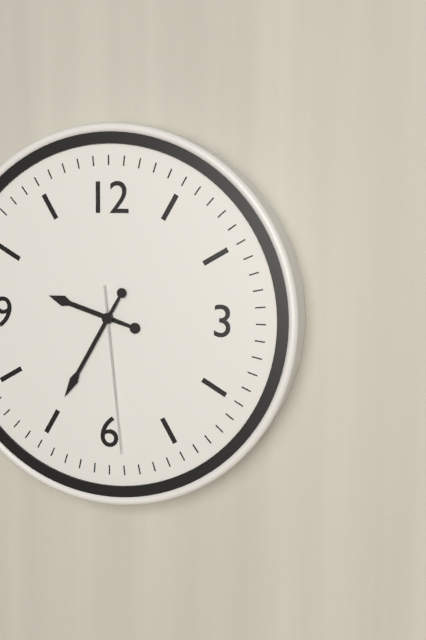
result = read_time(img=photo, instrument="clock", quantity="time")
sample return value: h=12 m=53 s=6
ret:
h=9 m=35 s=29
